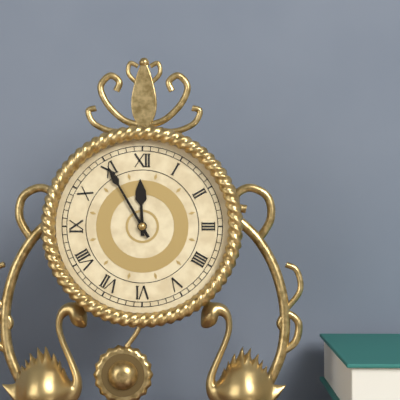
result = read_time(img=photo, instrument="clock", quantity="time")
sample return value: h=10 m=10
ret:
h=11 m=55
